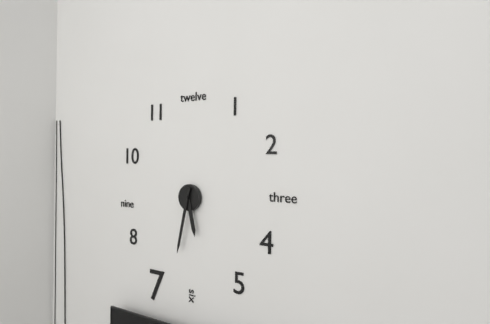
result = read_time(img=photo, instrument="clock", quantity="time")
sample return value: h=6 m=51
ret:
h=5 m=32
